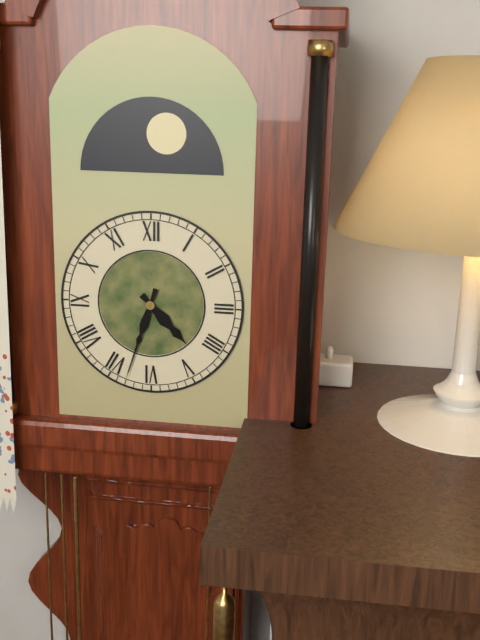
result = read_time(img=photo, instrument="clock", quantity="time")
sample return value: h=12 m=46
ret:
h=4 m=33
